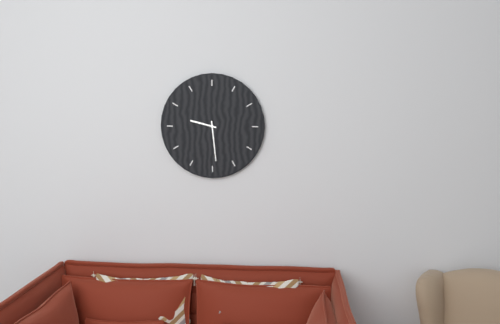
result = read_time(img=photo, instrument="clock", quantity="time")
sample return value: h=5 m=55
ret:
h=9 m=29
